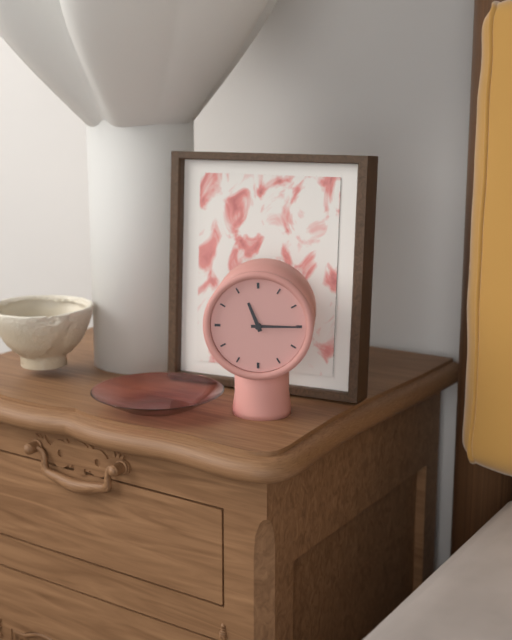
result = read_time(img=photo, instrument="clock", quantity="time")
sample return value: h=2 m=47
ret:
h=11 m=15
